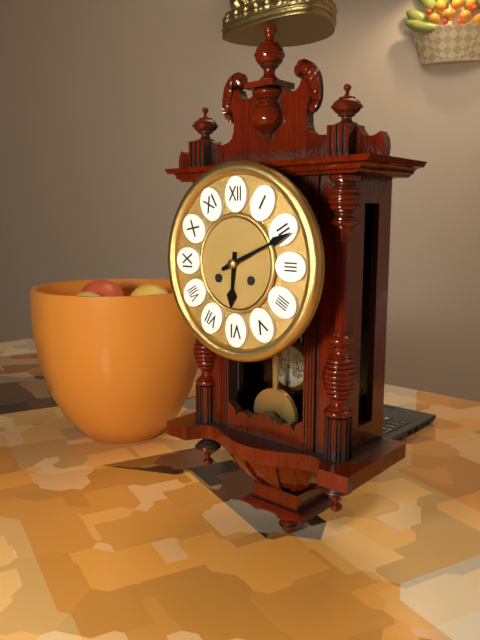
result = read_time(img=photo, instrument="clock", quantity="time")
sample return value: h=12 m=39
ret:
h=6 m=11
